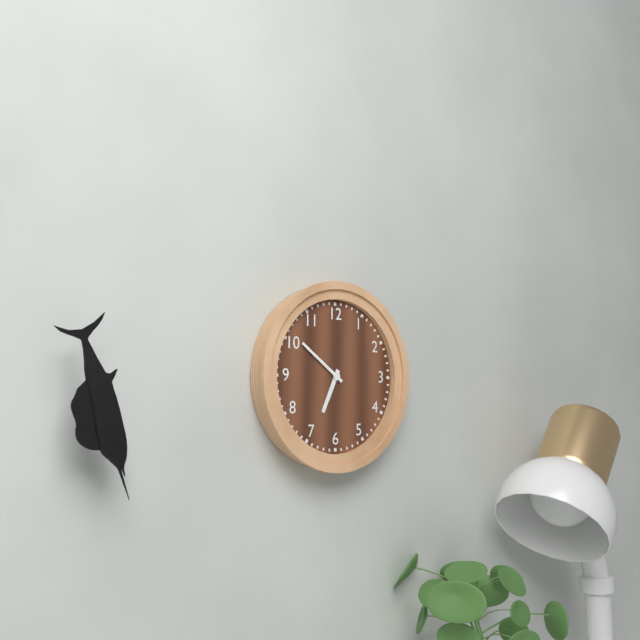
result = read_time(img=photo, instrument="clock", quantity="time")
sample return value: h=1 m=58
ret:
h=6 m=51
